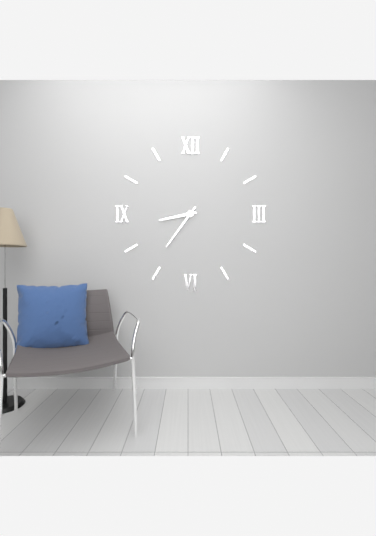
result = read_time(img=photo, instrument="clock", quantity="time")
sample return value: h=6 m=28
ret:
h=8 m=36
